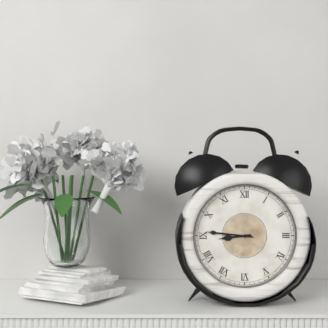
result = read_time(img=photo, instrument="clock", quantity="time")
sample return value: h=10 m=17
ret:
h=8 m=46
